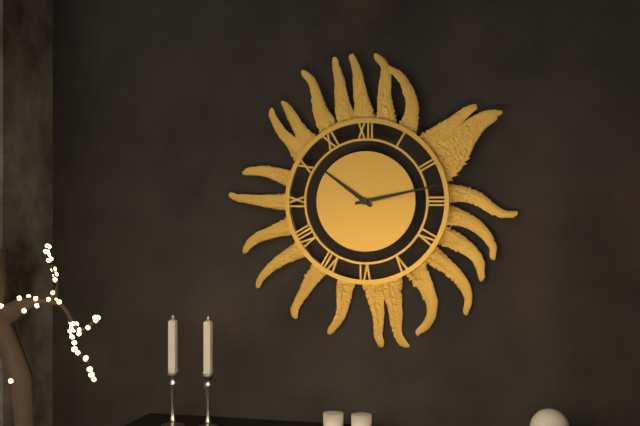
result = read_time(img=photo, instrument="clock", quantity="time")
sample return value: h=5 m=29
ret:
h=10 m=13
